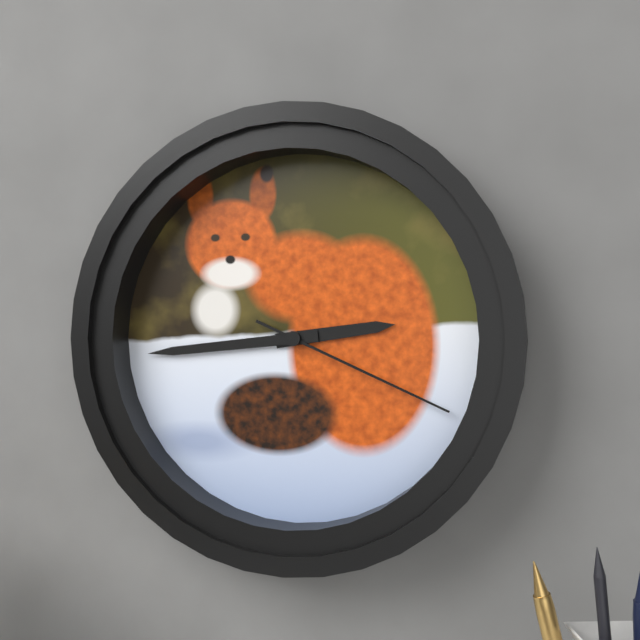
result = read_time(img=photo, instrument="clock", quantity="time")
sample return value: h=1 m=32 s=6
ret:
h=2 m=44 s=19
